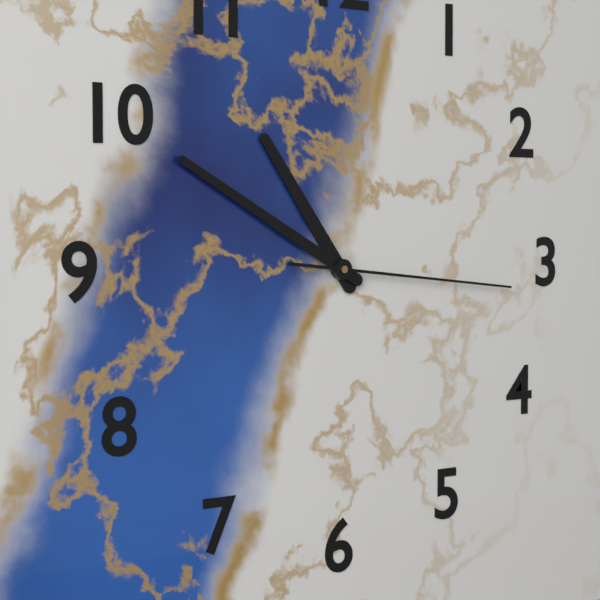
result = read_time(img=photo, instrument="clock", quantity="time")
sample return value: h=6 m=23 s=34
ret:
h=10 m=50 s=16
